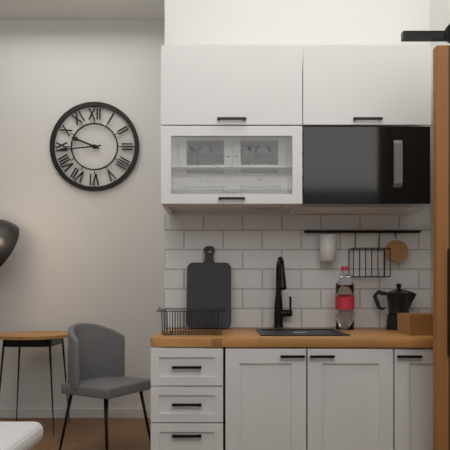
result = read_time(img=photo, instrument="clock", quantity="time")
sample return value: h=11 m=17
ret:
h=9 m=44
